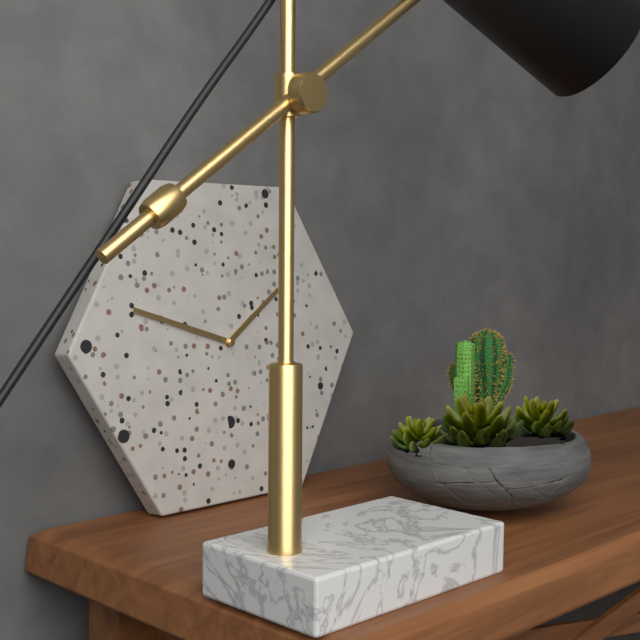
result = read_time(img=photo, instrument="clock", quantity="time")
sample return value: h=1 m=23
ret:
h=1 m=48
